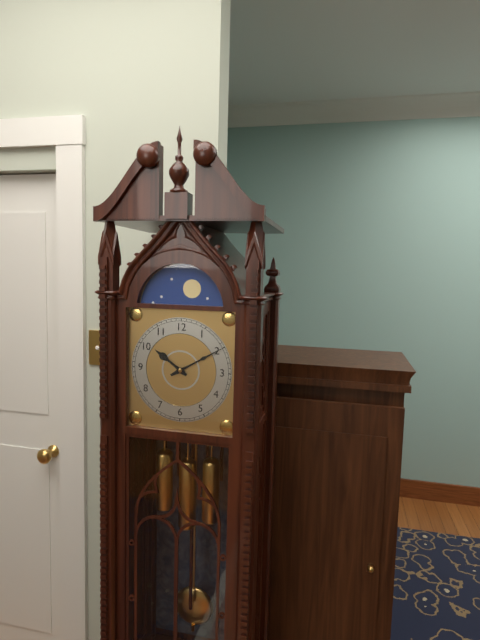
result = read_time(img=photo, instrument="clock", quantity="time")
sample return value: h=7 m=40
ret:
h=10 m=10
